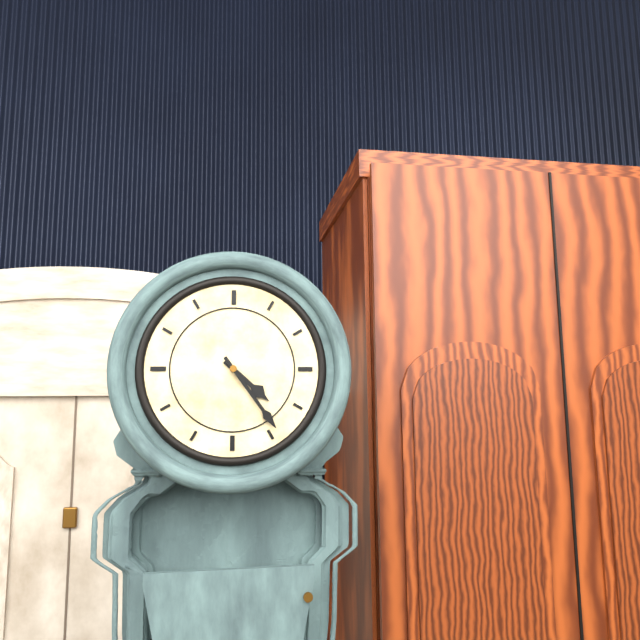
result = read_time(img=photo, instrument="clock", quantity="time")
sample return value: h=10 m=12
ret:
h=4 m=24
